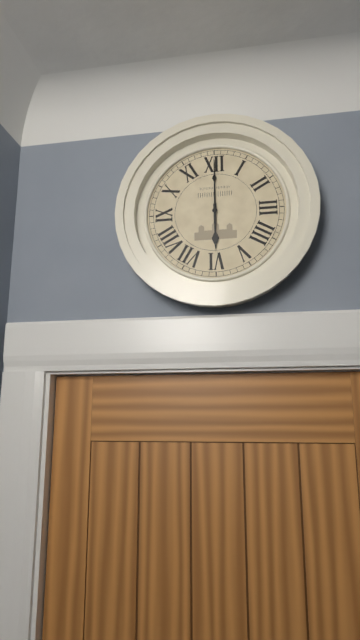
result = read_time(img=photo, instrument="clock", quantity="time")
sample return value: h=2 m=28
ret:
h=6 m=0
